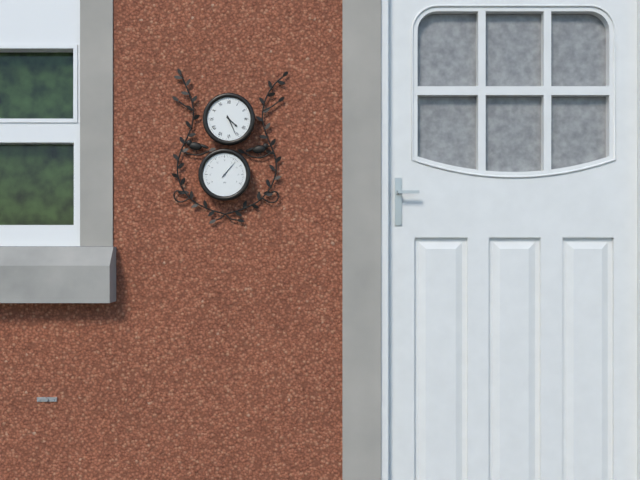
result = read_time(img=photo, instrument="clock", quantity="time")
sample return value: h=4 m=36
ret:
h=4 m=26
